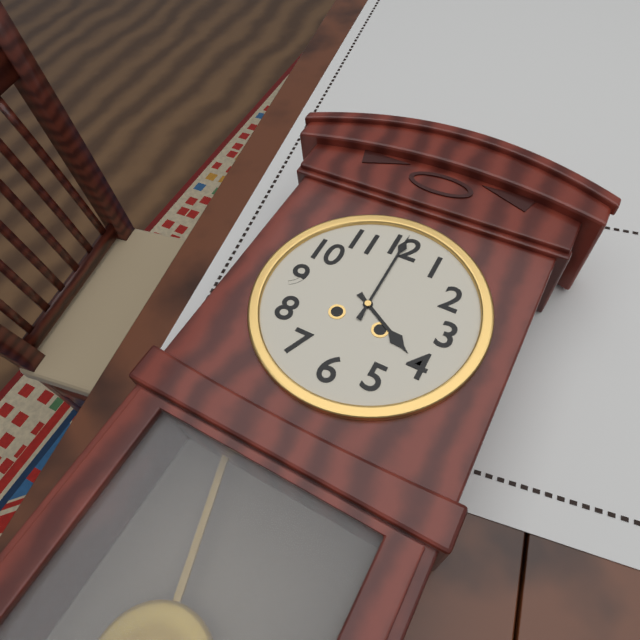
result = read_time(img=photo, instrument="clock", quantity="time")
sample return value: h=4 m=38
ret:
h=4 m=0
